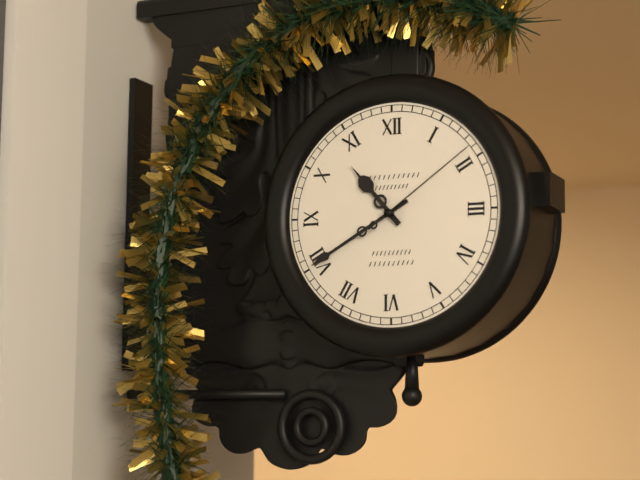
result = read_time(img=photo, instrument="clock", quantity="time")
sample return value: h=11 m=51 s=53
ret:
h=10 m=40 s=9
